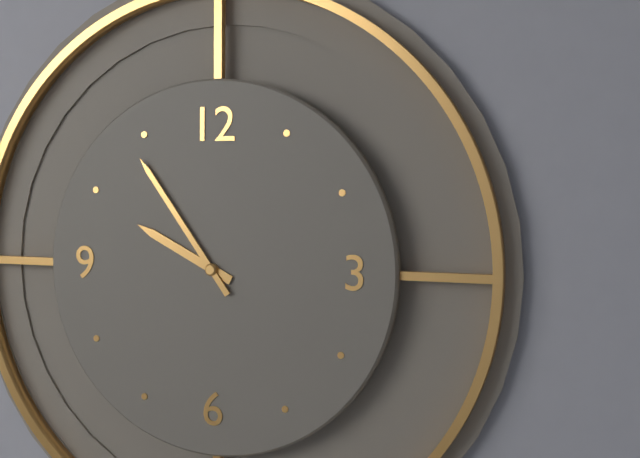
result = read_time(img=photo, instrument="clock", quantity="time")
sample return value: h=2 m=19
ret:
h=9 m=54
